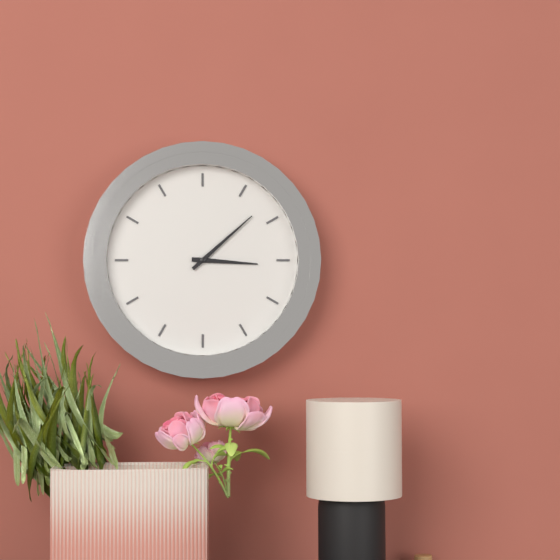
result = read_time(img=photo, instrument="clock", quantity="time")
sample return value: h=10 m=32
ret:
h=3 m=8
